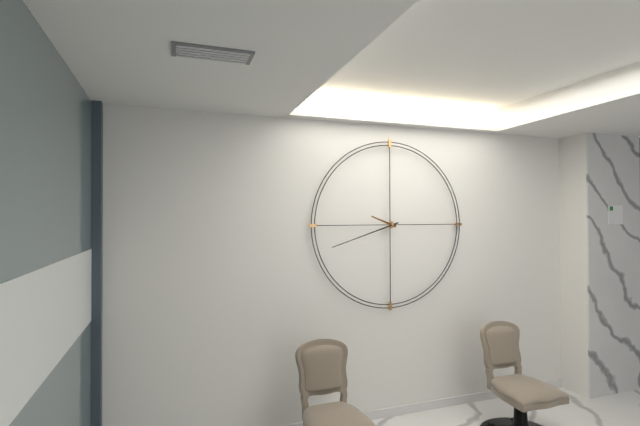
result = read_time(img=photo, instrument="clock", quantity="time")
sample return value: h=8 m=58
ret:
h=9 m=42
